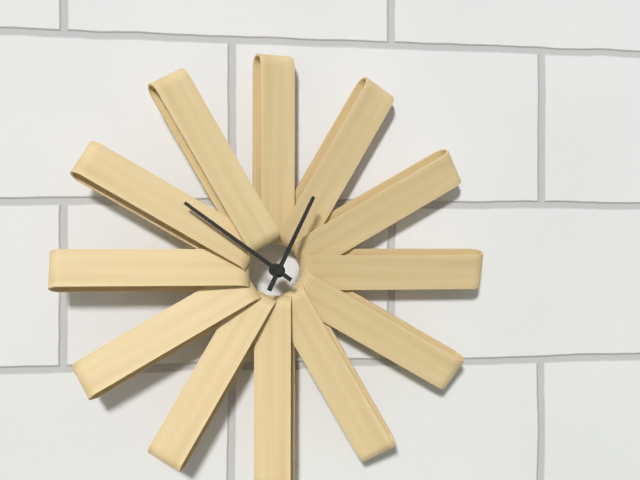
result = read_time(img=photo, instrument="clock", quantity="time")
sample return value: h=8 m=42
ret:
h=12 m=51
